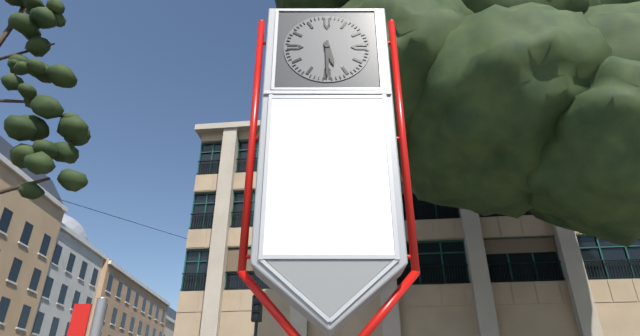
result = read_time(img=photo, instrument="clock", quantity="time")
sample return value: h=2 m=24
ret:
h=5 m=30
